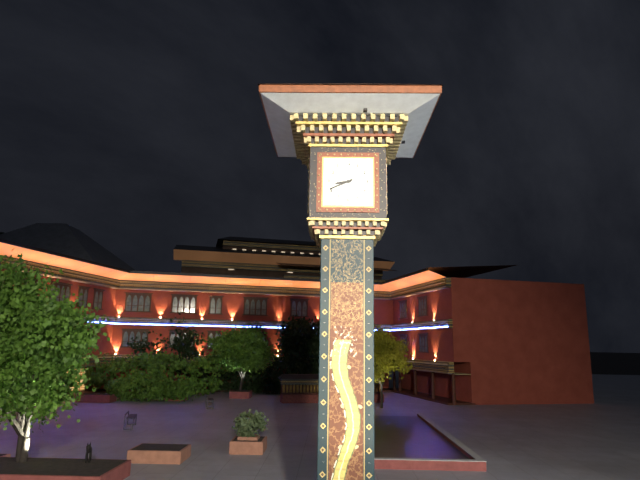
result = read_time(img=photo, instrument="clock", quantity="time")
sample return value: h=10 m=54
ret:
h=8 m=41
